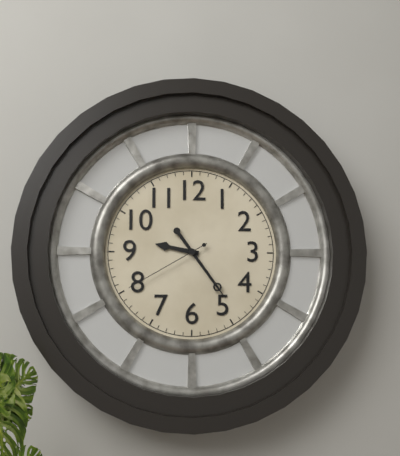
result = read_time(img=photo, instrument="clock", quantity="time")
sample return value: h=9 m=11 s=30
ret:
h=9 m=24 s=40
